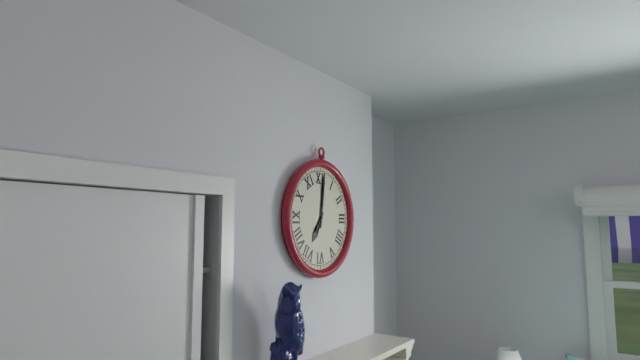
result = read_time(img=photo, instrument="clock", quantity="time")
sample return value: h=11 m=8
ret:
h=7 m=1
